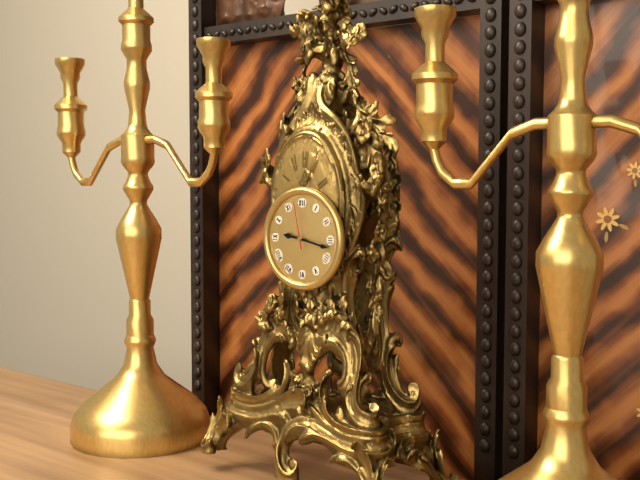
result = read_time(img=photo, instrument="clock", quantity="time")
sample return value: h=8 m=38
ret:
h=9 m=17
